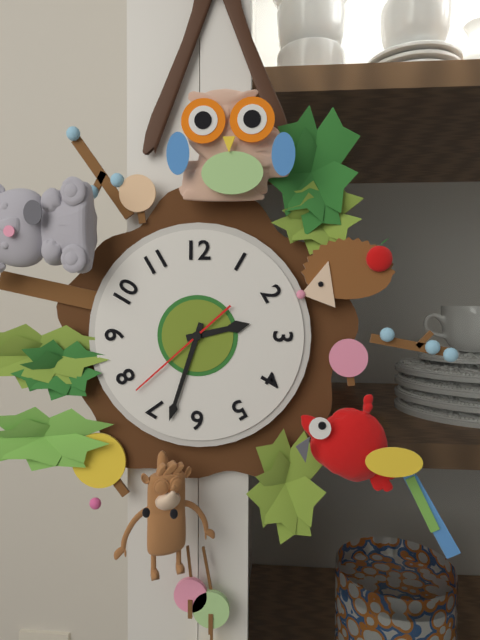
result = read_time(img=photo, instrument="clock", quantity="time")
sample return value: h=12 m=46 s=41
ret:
h=2 m=33 s=38
